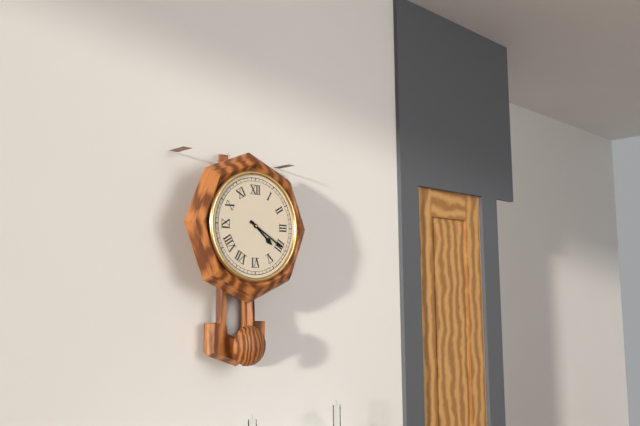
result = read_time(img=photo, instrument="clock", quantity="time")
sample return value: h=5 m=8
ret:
h=4 m=20
